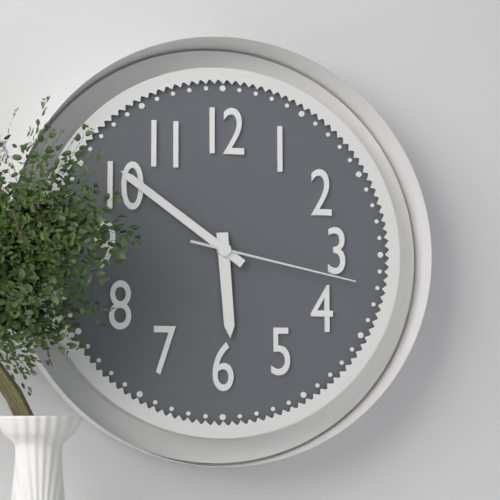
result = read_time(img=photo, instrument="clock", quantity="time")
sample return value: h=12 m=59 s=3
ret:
h=5 m=51 s=17
